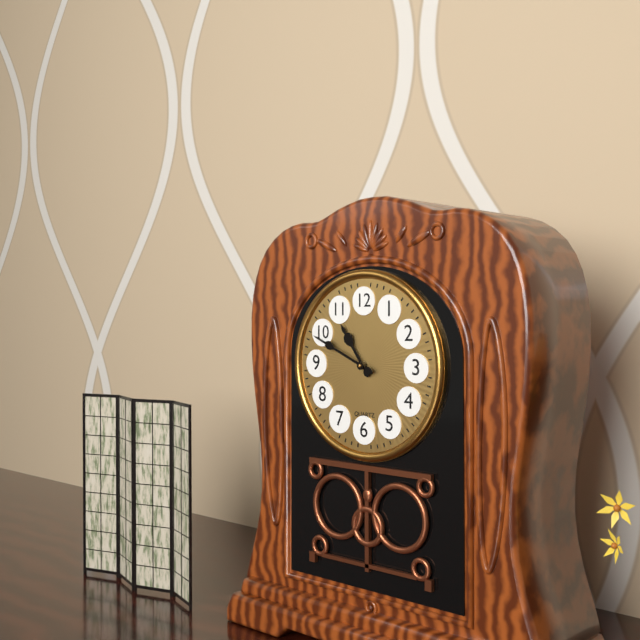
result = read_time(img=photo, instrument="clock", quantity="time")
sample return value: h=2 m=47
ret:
h=10 m=49
